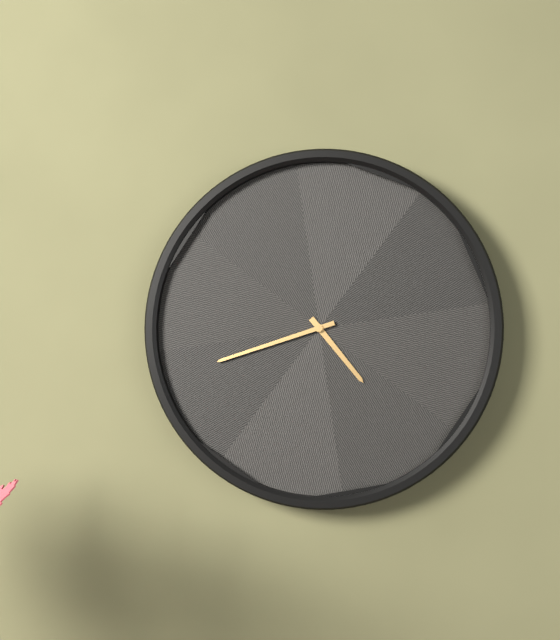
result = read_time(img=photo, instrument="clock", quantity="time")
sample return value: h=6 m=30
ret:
h=4 m=42
